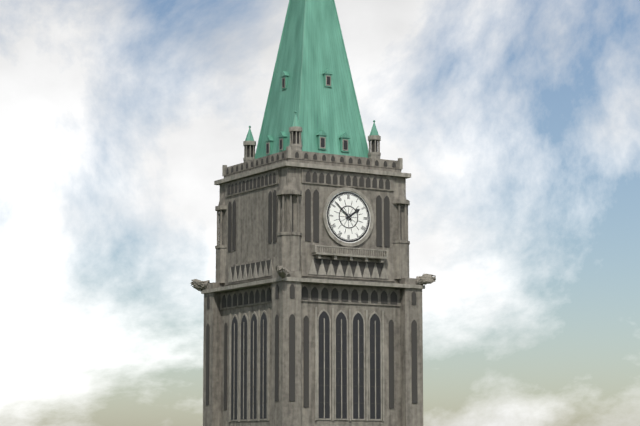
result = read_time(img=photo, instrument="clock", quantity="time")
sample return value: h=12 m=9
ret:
h=1 m=52
